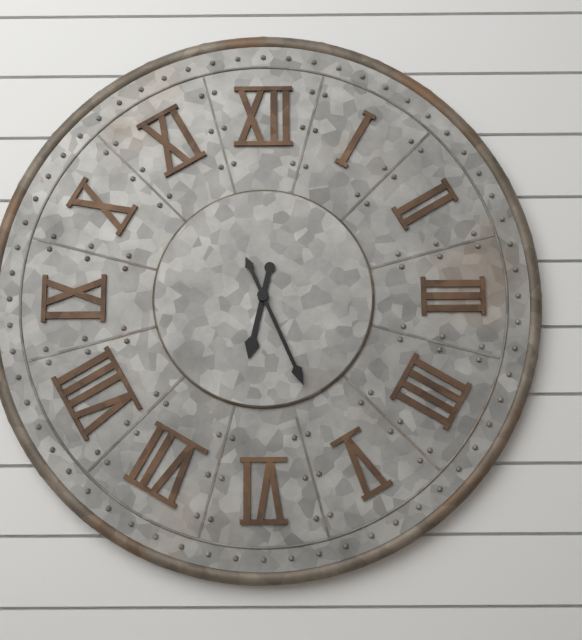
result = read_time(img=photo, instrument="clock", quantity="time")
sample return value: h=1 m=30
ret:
h=6 m=26
